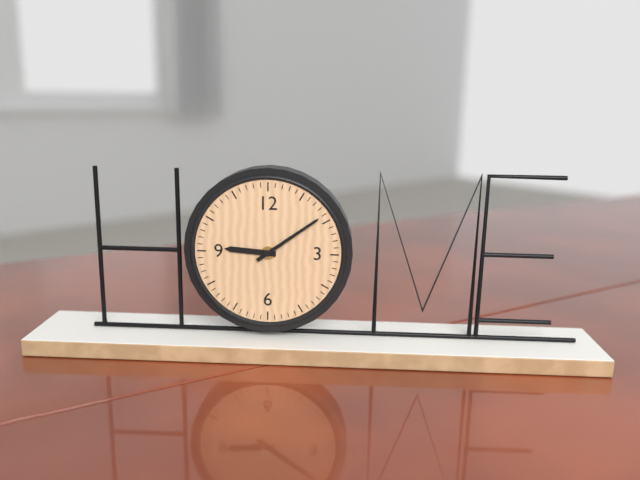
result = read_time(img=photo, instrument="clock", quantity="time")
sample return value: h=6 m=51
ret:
h=9 m=9
